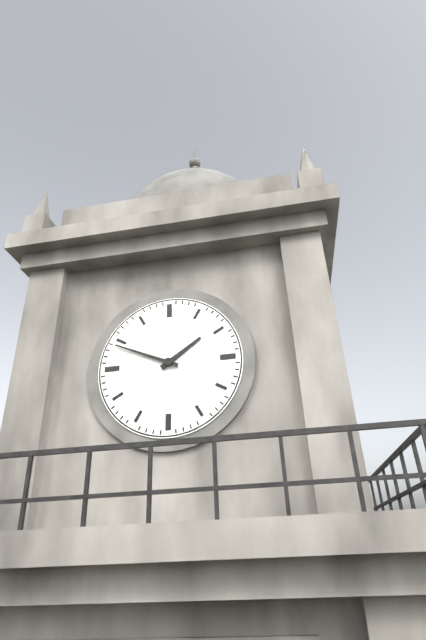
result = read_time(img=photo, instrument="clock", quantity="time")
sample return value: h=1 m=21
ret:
h=1 m=49
